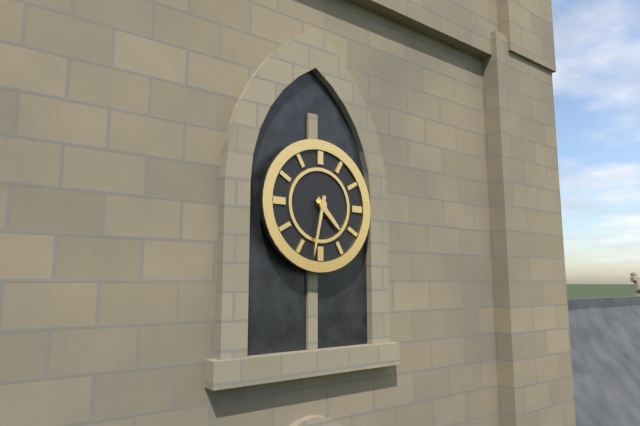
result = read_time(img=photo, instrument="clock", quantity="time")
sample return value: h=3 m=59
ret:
h=4 m=32
